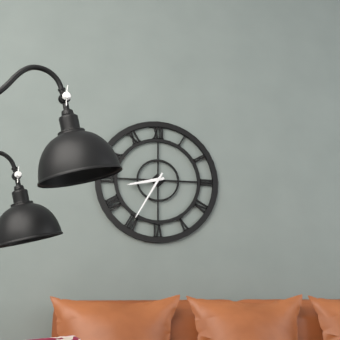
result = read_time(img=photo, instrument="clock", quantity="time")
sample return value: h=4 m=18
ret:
h=8 m=35
